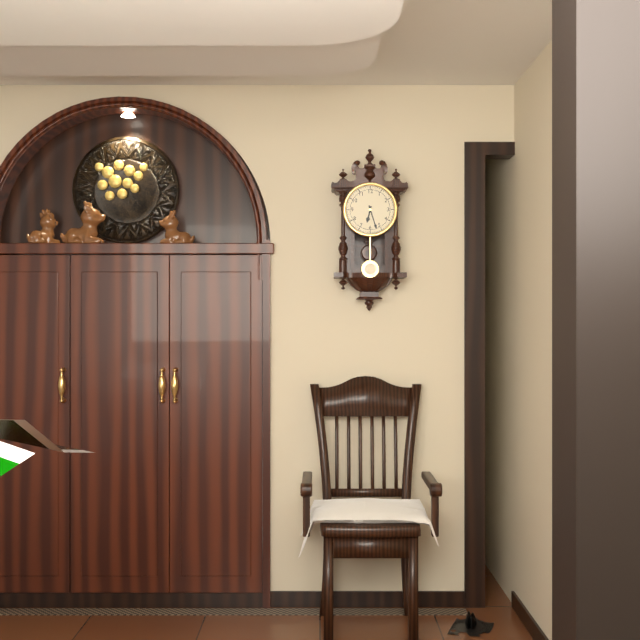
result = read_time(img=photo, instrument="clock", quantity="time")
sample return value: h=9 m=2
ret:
h=6 m=27
